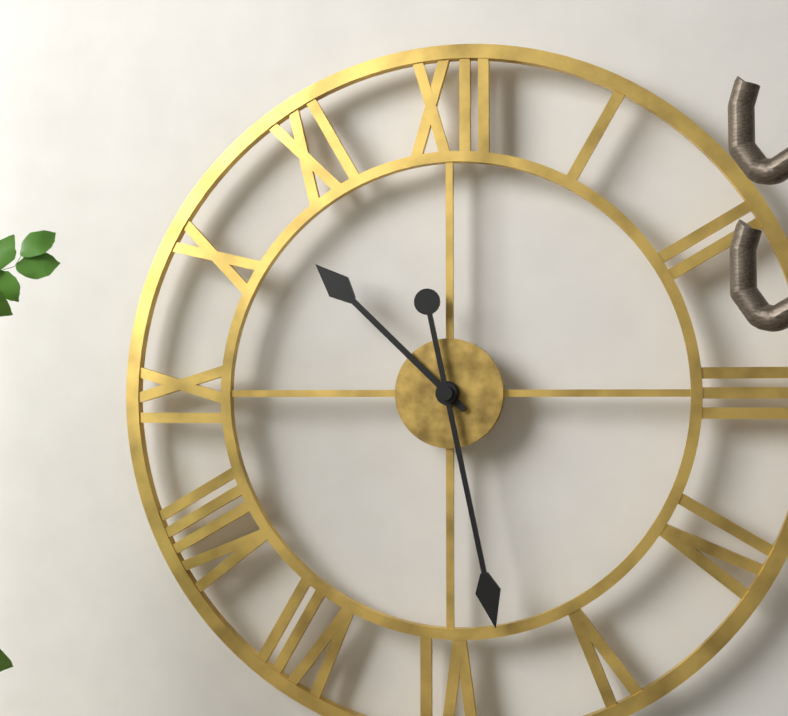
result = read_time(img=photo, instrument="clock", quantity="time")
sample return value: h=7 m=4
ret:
h=10 m=28
